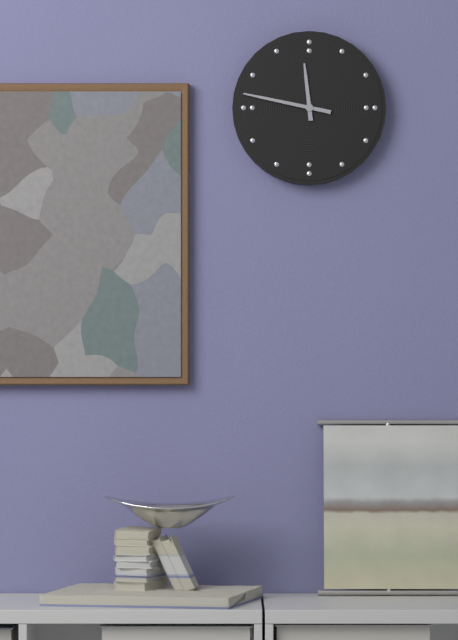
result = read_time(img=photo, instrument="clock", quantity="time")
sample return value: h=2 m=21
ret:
h=11 m=47
